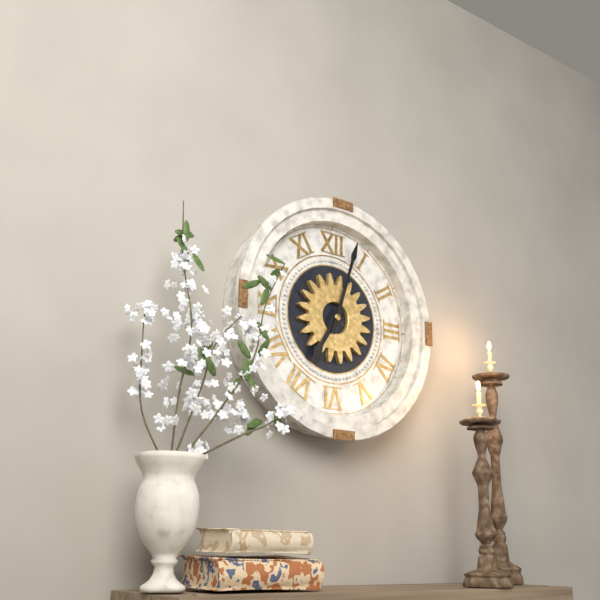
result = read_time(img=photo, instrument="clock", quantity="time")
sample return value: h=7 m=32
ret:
h=7 m=3
